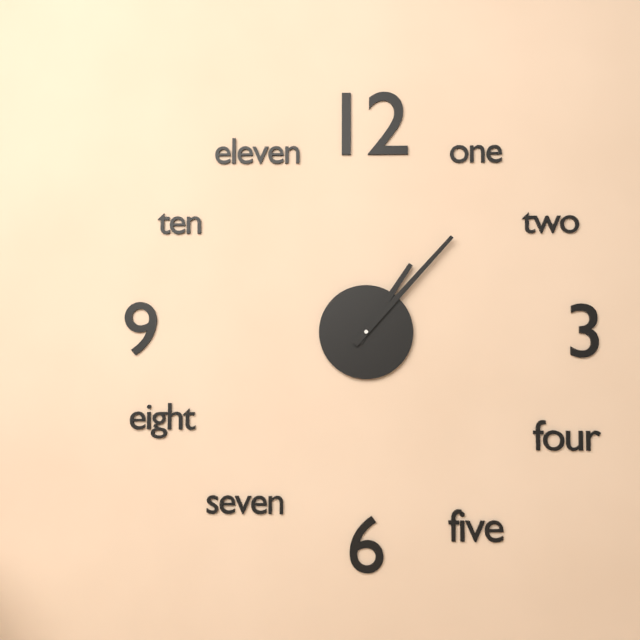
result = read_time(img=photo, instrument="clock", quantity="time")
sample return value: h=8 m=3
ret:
h=1 m=7
